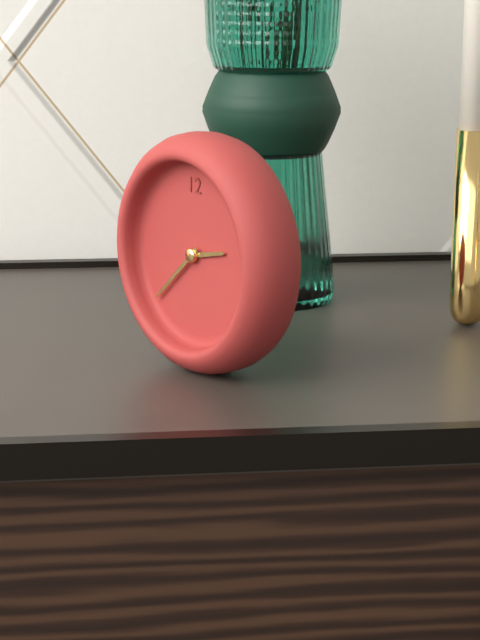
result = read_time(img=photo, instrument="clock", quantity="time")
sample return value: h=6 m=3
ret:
h=2 m=38
